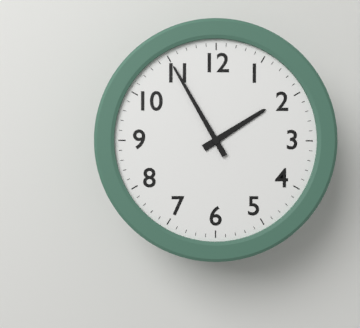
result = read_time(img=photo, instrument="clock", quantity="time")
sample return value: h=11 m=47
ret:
h=1 m=55
